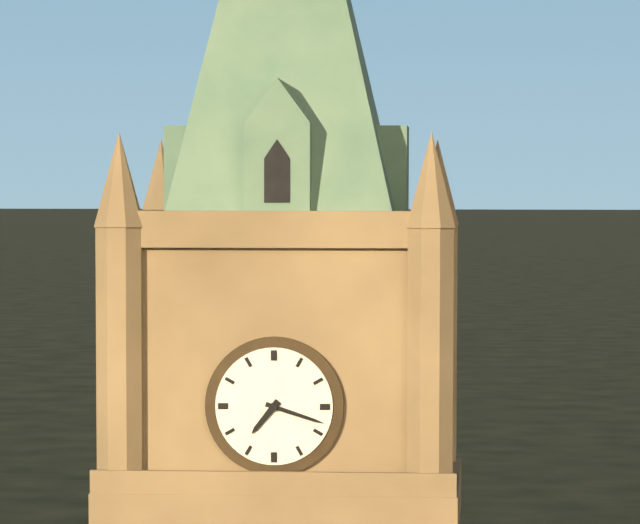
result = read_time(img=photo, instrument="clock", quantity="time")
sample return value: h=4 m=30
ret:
h=7 m=18
